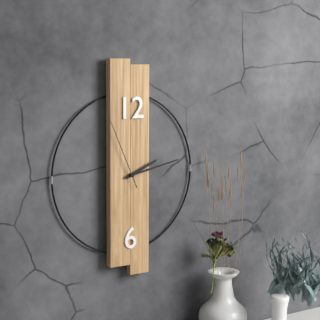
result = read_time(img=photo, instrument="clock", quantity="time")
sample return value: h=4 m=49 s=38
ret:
h=2 m=13 s=56
